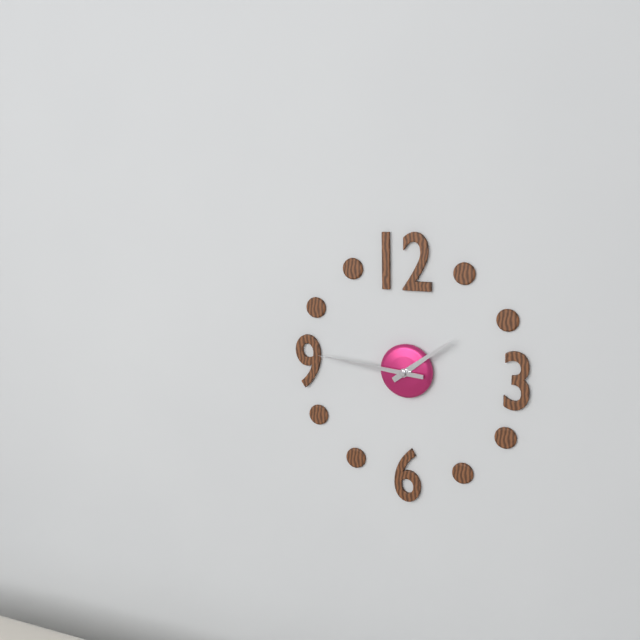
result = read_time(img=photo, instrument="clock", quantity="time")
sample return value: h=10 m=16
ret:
h=1 m=46
